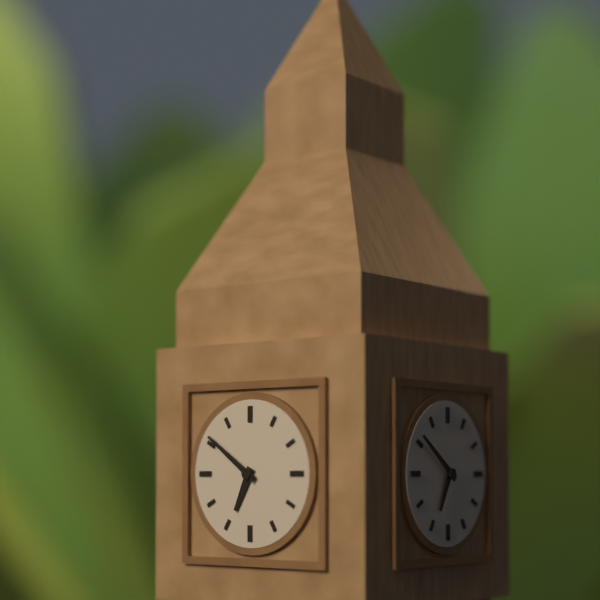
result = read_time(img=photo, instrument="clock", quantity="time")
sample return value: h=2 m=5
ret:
h=6 m=51
